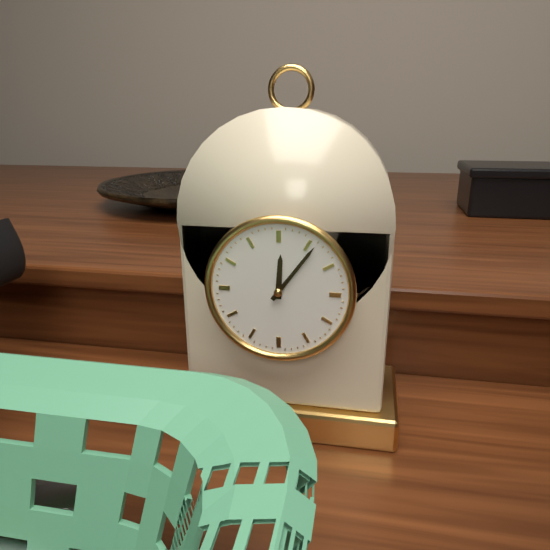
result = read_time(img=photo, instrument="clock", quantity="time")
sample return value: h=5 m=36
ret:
h=12 m=6
